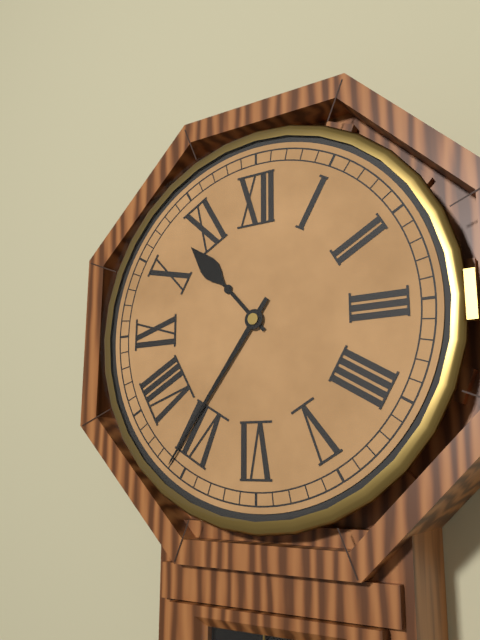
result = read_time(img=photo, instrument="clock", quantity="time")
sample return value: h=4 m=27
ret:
h=10 m=36
